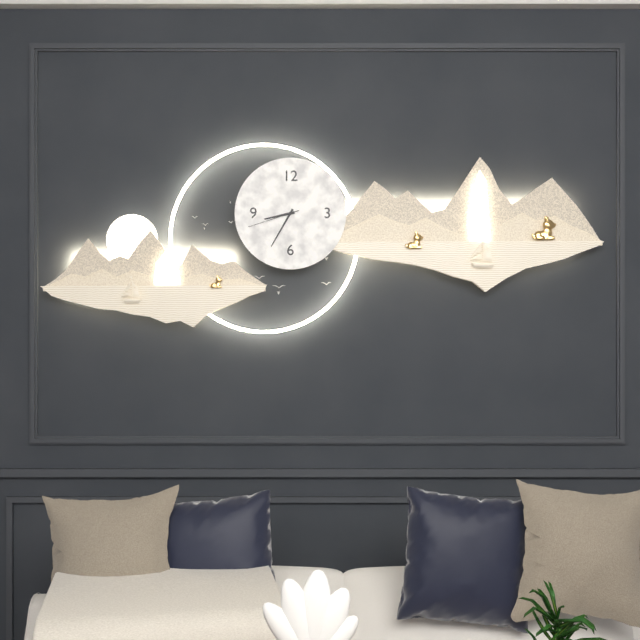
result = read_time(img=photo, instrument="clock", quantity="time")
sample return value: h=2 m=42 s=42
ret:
h=8 m=35 s=42
